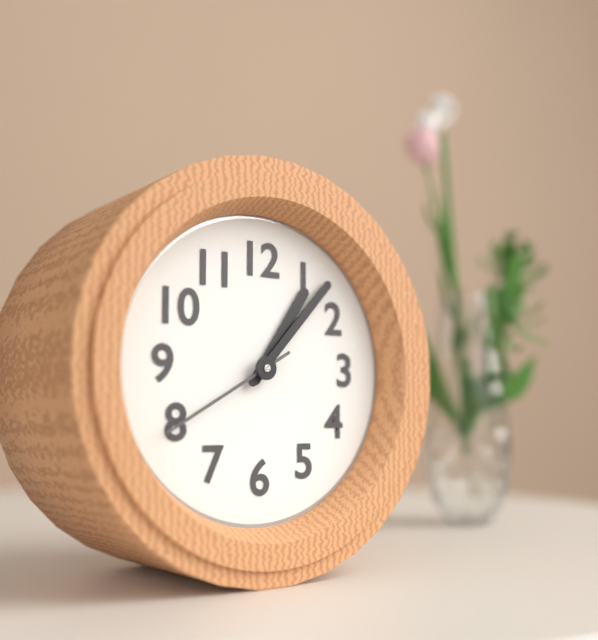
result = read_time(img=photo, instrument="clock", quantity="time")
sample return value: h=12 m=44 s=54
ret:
h=1 m=7 s=40
